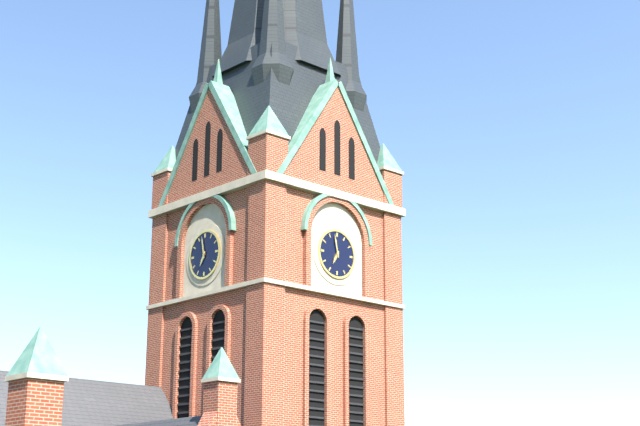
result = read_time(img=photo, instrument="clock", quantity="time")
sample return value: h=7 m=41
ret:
h=6 m=58
